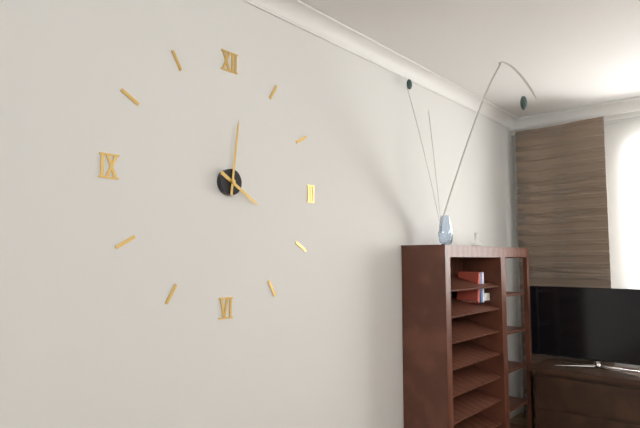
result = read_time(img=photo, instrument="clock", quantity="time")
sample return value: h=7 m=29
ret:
h=4 m=1
